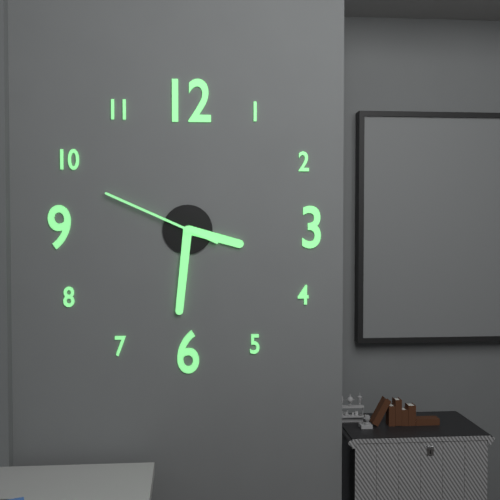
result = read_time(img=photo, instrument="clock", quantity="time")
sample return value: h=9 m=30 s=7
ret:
h=3 m=31 s=49
